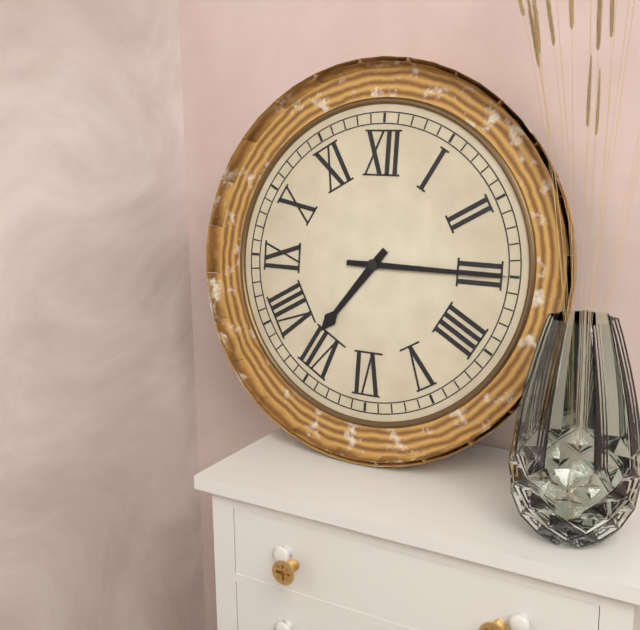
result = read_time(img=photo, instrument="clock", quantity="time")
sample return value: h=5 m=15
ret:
h=7 m=15
